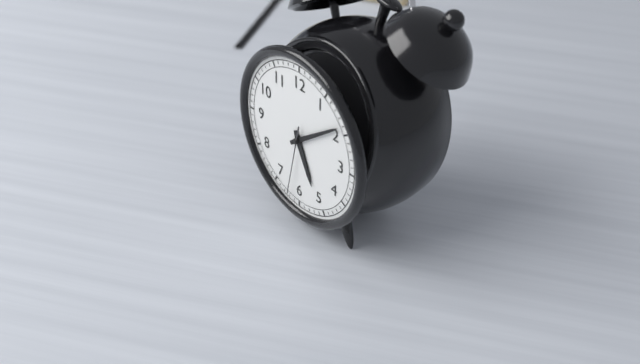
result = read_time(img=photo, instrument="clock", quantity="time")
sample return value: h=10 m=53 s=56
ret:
h=5 m=9 s=32
